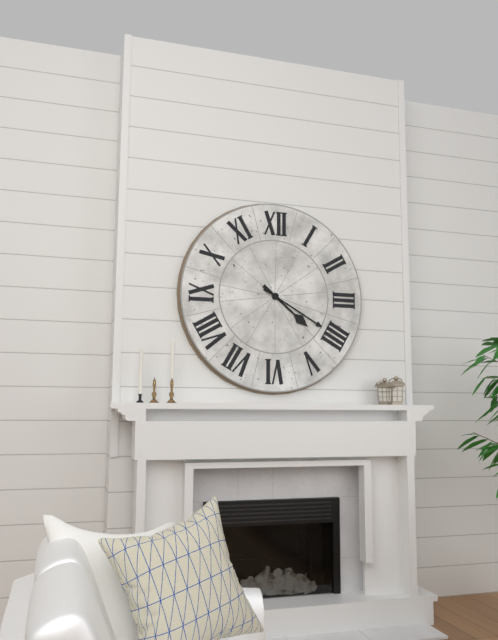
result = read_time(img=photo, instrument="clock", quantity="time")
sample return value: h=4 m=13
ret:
h=4 m=20
